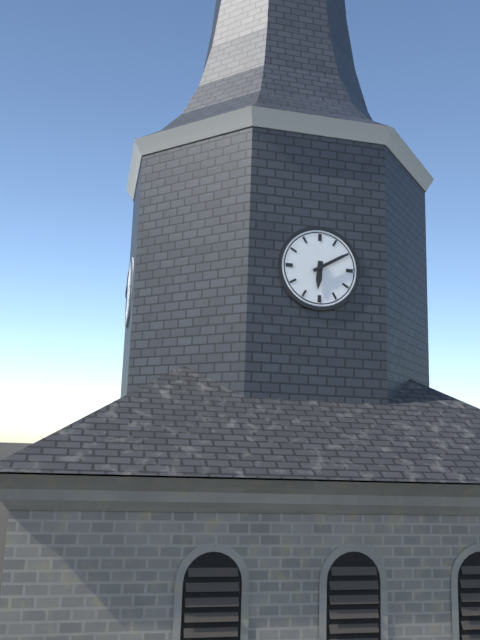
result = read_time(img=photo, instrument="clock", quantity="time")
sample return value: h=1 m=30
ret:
h=6 m=10
